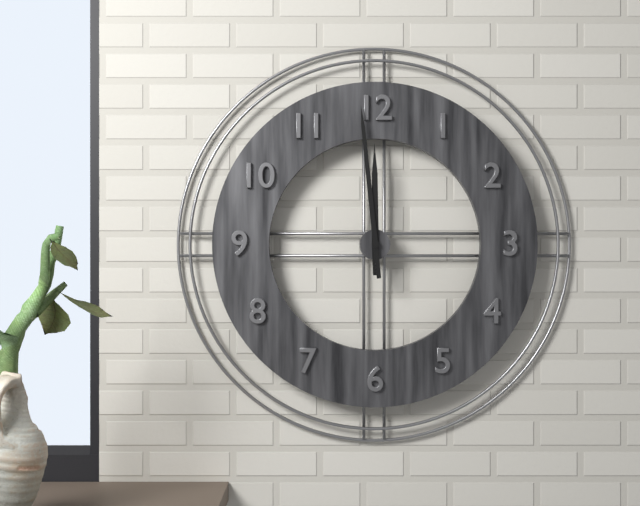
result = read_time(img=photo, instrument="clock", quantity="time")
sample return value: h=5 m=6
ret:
h=11 m=59
